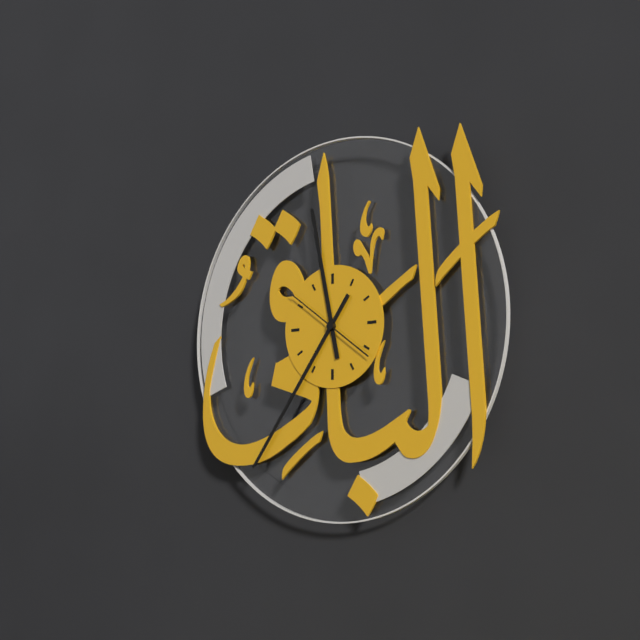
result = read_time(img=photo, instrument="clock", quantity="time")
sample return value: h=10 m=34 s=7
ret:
h=11 m=36 s=51
